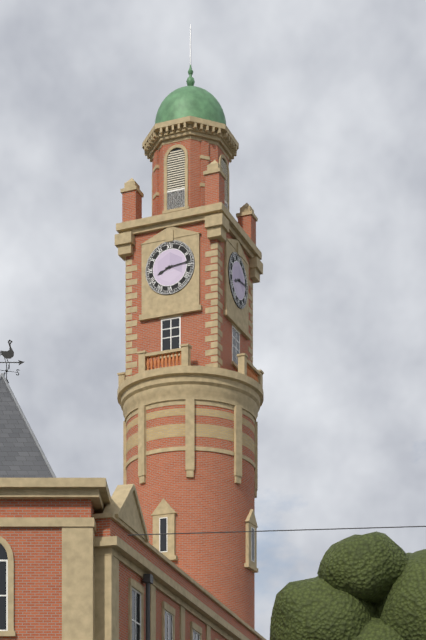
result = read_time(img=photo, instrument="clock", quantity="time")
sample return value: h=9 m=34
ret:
h=8 m=14
